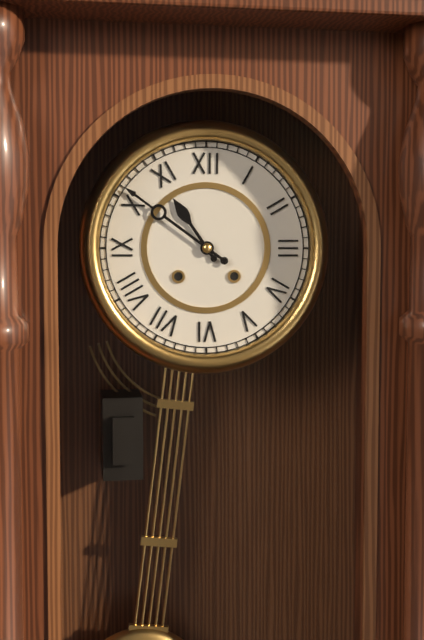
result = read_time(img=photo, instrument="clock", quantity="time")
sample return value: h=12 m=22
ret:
h=10 m=51
